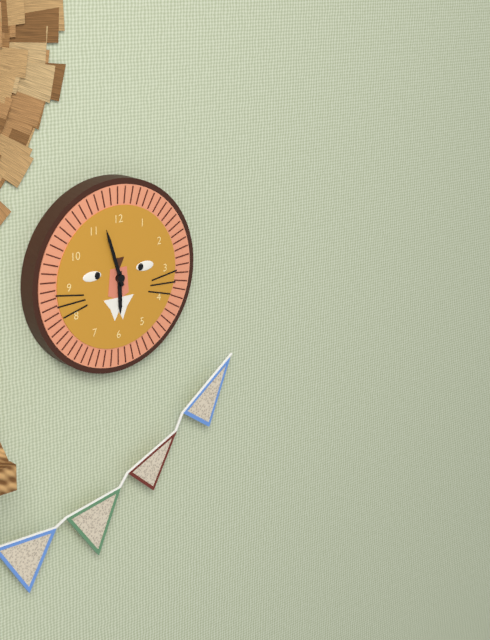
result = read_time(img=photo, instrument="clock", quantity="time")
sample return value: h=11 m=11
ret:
h=5 m=57
